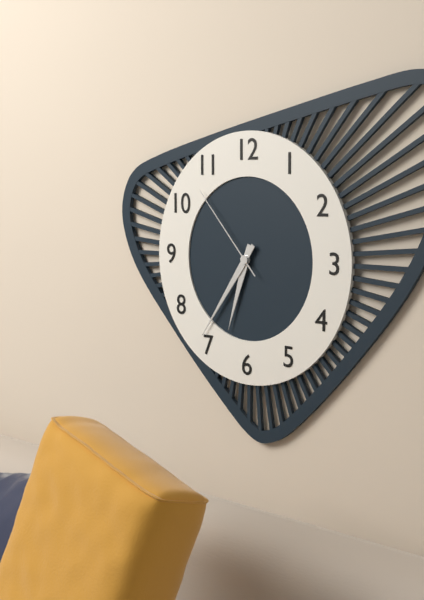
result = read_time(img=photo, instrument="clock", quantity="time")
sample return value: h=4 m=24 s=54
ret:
h=6 m=36 s=53
